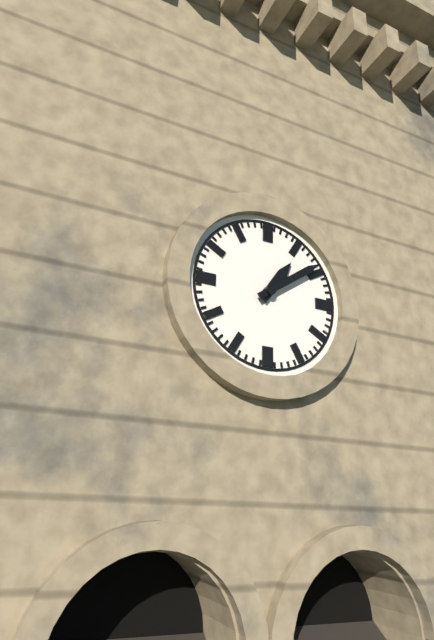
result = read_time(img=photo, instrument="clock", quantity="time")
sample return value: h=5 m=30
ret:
h=1 m=9
